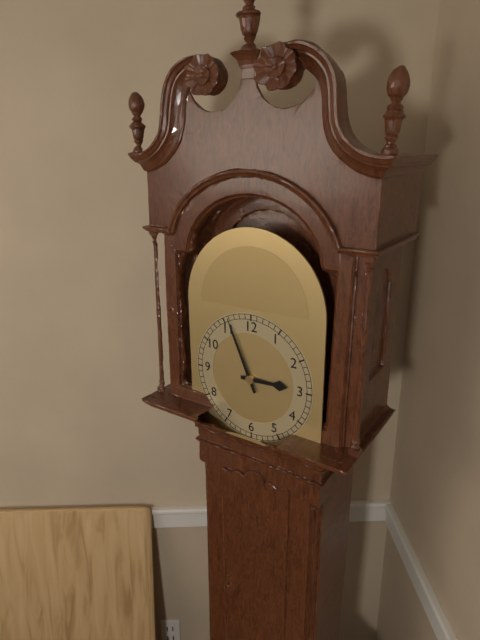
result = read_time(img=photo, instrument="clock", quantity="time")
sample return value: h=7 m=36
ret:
h=2 m=56
